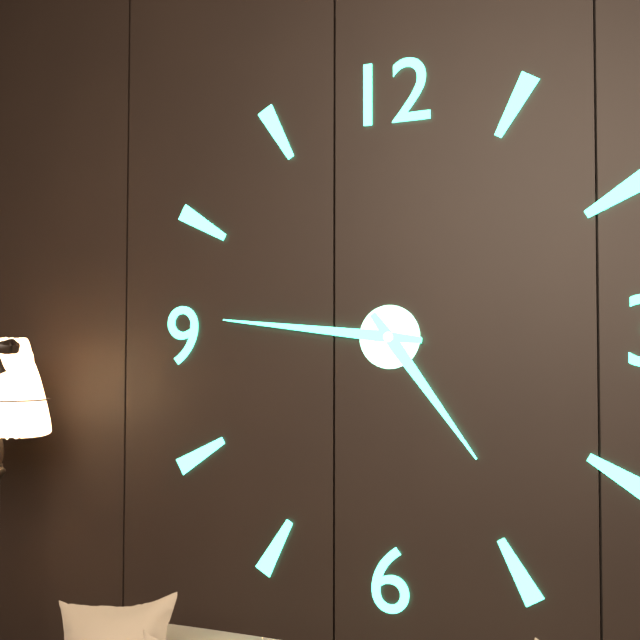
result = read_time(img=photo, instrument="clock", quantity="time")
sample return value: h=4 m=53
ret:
h=4 m=46
